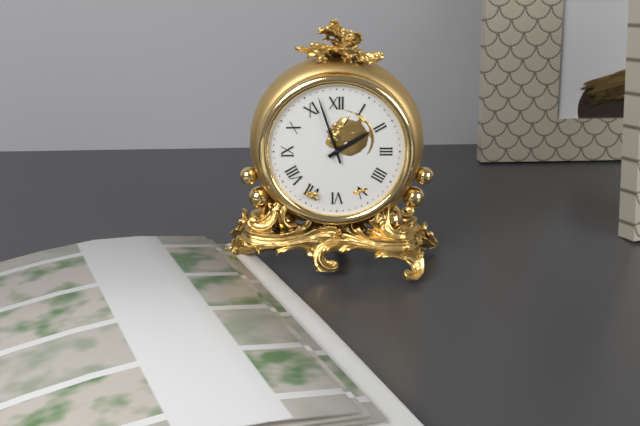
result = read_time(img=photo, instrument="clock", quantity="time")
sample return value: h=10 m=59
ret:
h=1 m=57
